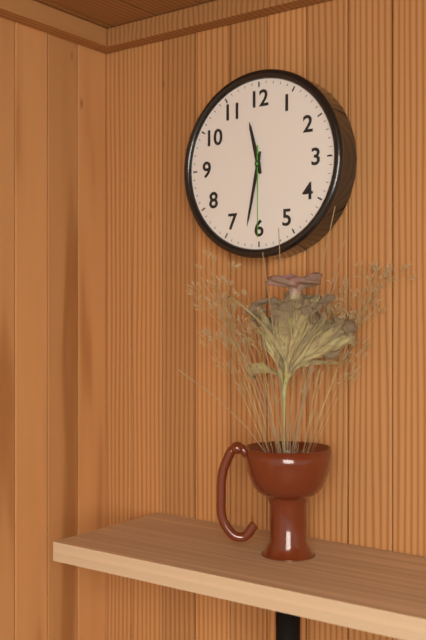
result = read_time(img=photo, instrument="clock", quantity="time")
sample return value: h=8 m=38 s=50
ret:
h=11 m=32 s=30
